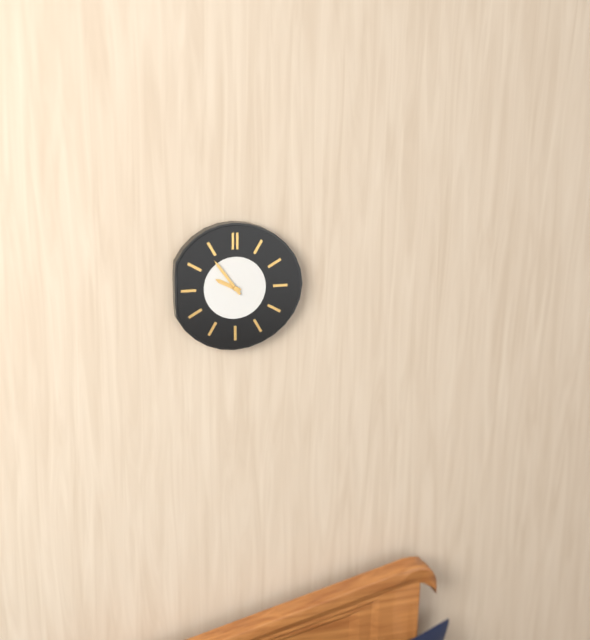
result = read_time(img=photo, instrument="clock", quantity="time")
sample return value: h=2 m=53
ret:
h=9 m=54
